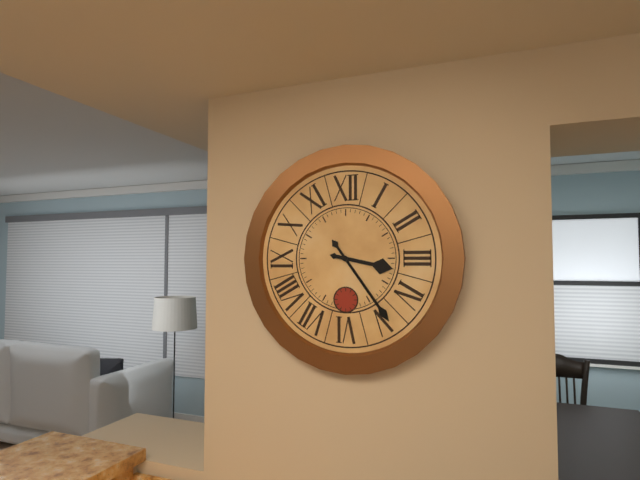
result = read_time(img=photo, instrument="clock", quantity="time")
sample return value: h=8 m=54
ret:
h=3 m=24
